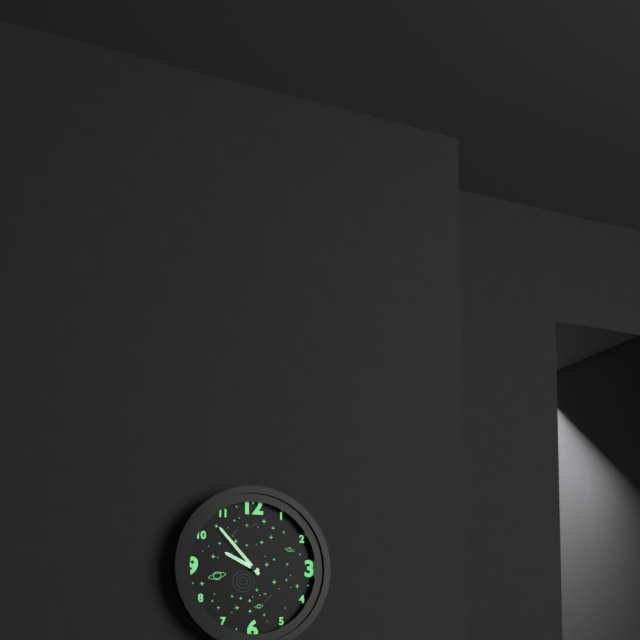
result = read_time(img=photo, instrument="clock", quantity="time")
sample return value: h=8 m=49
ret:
h=9 m=53
